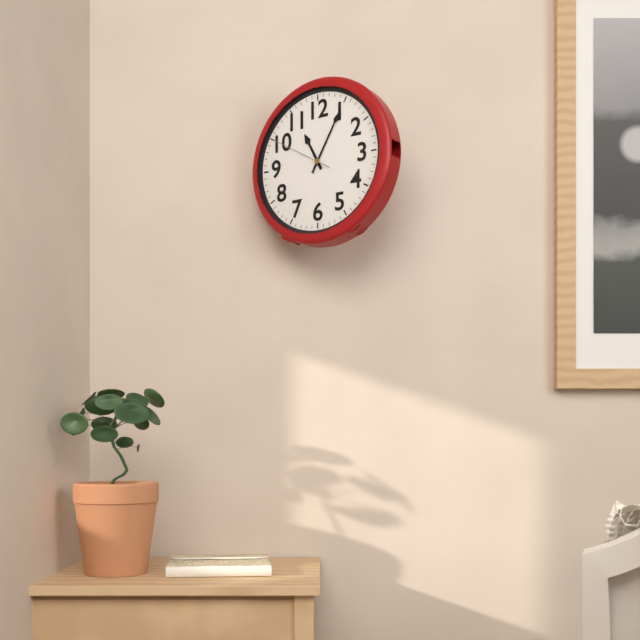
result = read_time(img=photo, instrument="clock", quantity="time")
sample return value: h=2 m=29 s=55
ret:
h=11 m=5 s=50
